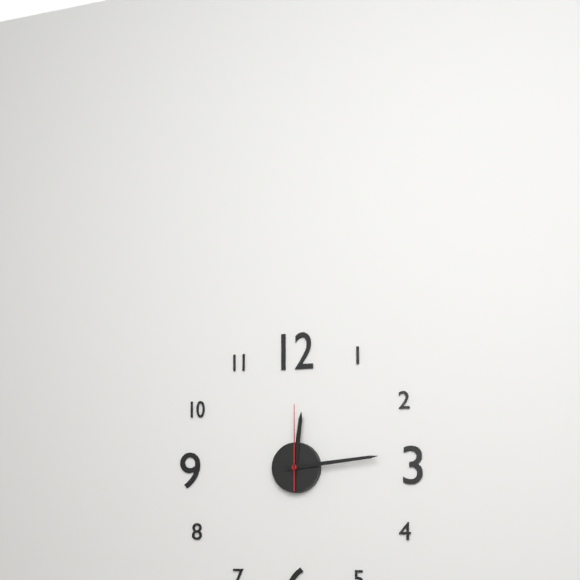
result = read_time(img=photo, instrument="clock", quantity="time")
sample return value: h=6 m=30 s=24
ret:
h=12 m=14 s=0
